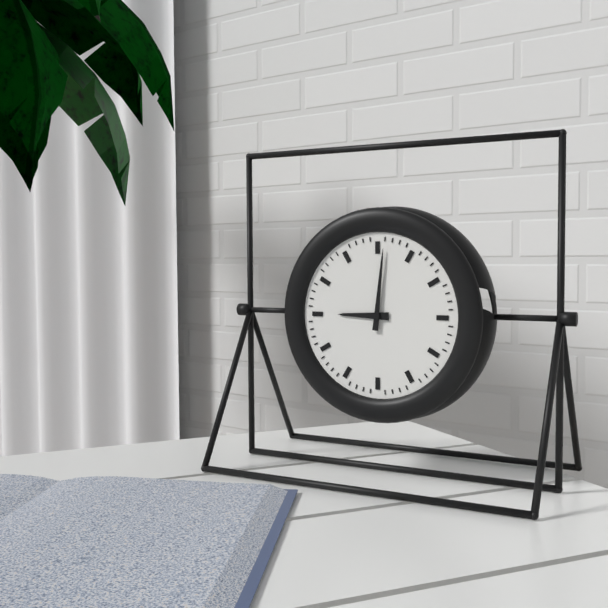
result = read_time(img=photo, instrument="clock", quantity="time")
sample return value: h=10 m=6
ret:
h=9 m=1
